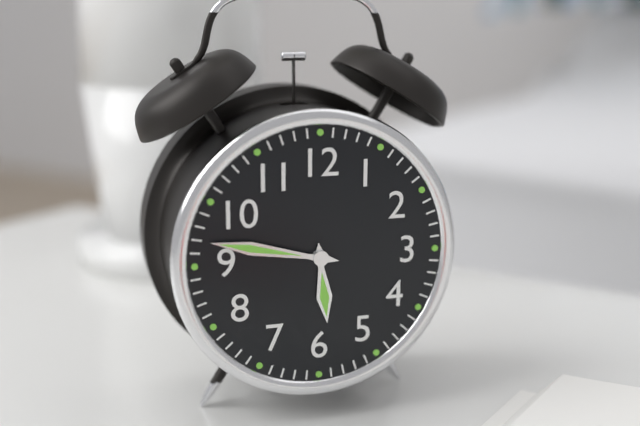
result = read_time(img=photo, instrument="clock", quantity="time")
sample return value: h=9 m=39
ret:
h=5 m=47
